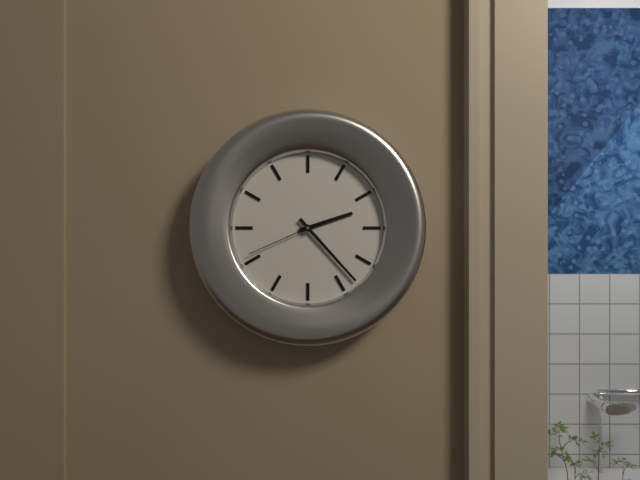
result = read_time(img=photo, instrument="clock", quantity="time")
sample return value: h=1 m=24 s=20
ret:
h=2 m=23 s=41
